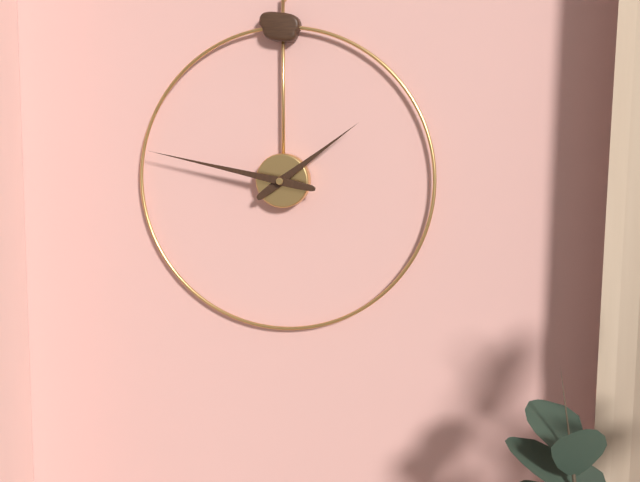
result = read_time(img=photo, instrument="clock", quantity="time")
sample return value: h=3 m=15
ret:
h=1 m=47
